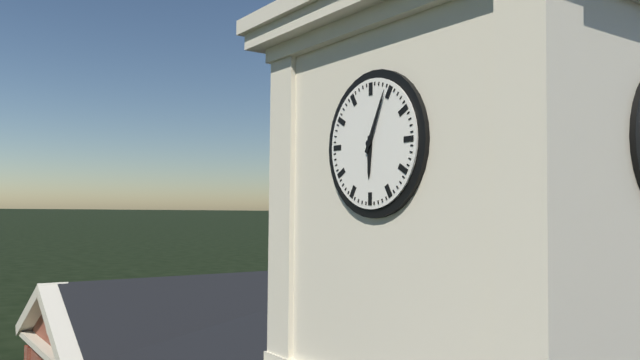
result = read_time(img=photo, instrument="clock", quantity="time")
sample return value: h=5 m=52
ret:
h=6 m=4
